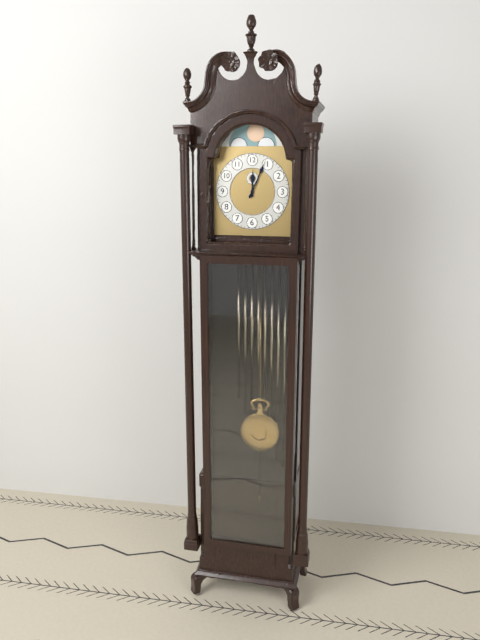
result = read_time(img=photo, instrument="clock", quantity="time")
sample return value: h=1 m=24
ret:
h=12 m=4
